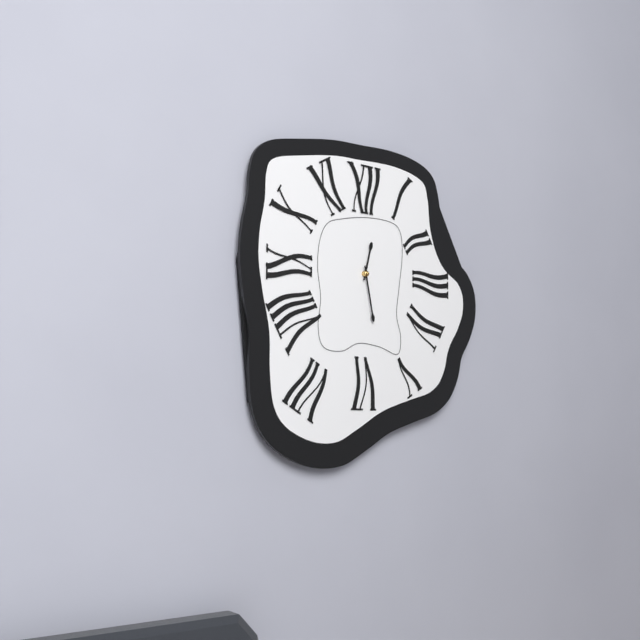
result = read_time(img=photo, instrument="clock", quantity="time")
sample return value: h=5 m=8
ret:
h=12 m=28
